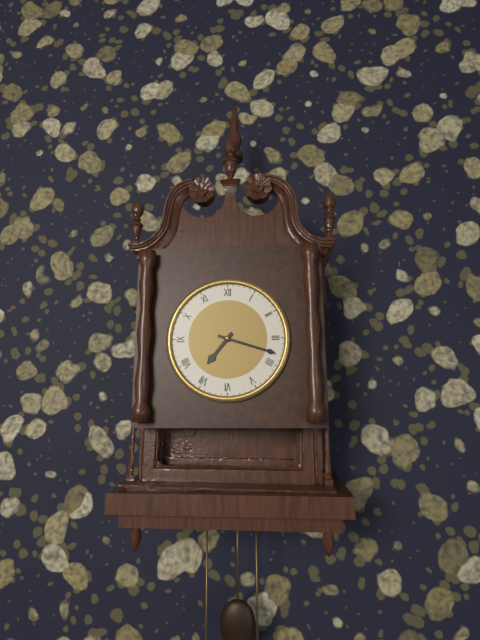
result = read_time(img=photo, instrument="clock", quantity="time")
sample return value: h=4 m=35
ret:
h=7 m=18
